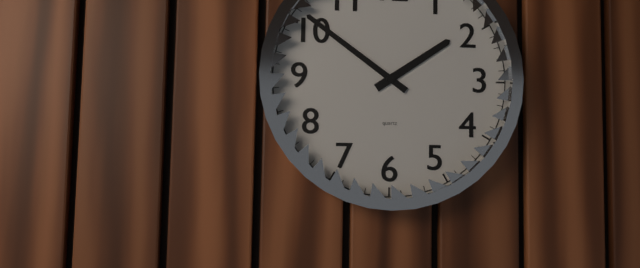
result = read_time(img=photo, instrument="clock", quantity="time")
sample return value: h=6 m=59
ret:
h=1 m=51
